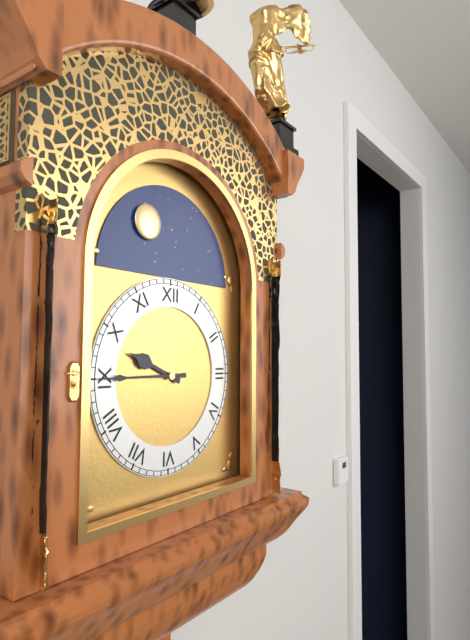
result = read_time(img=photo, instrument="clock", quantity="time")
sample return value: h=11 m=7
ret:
h=9 m=45
